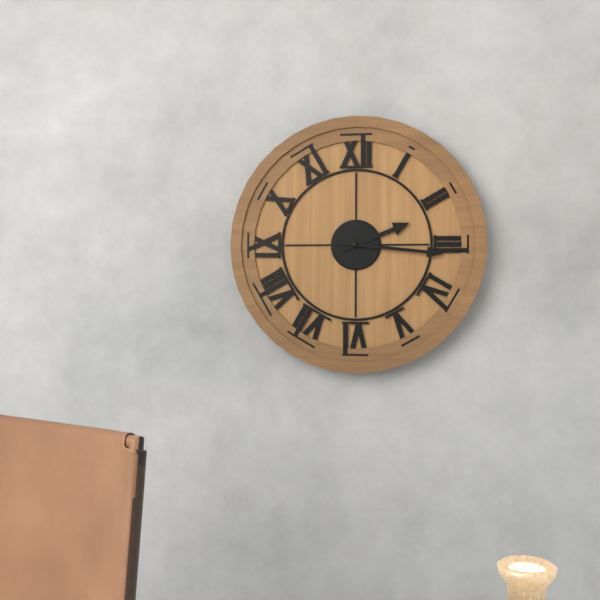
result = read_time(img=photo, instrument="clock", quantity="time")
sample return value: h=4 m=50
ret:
h=2 m=16
